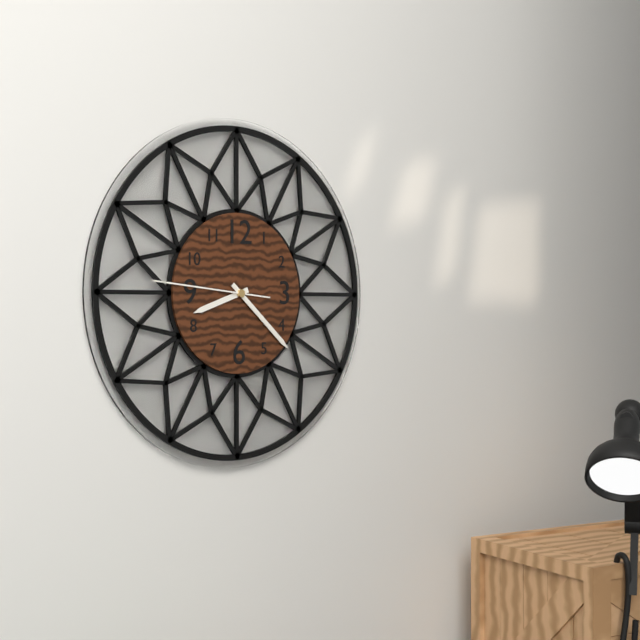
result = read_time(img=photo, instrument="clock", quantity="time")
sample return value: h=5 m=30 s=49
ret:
h=8 m=22 s=46
